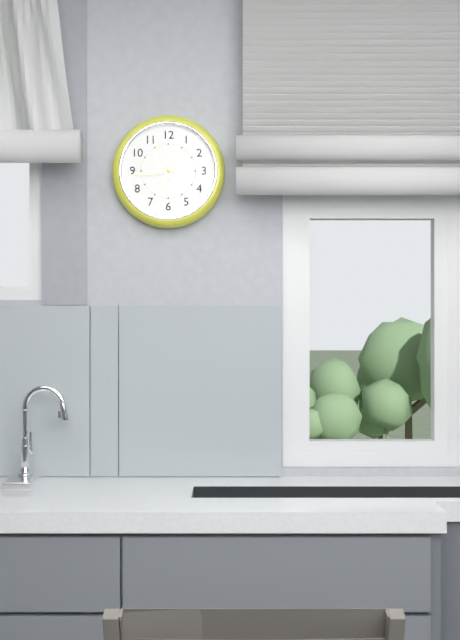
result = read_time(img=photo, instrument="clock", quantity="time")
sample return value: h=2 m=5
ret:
h=6 m=44
